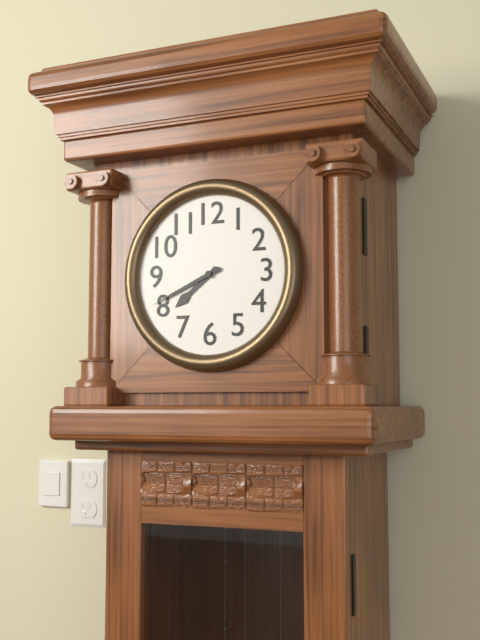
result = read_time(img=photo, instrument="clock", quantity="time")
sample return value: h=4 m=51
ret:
h=7 m=41
